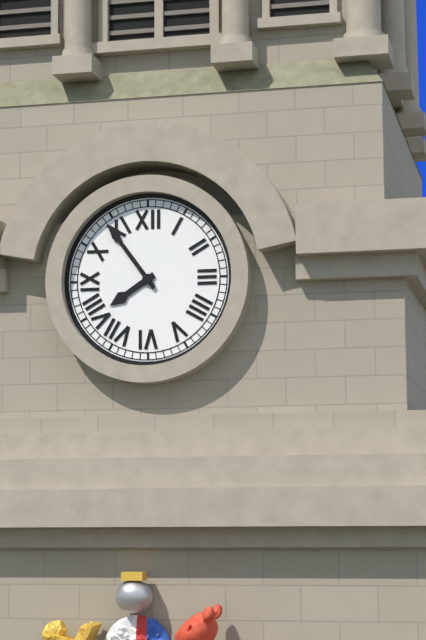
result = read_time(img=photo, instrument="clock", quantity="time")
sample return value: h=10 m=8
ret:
h=7 m=54
